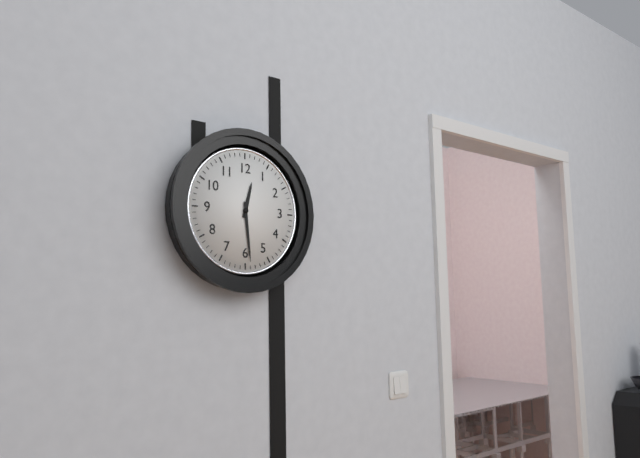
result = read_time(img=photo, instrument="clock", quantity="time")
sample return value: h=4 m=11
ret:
h=12 m=29
